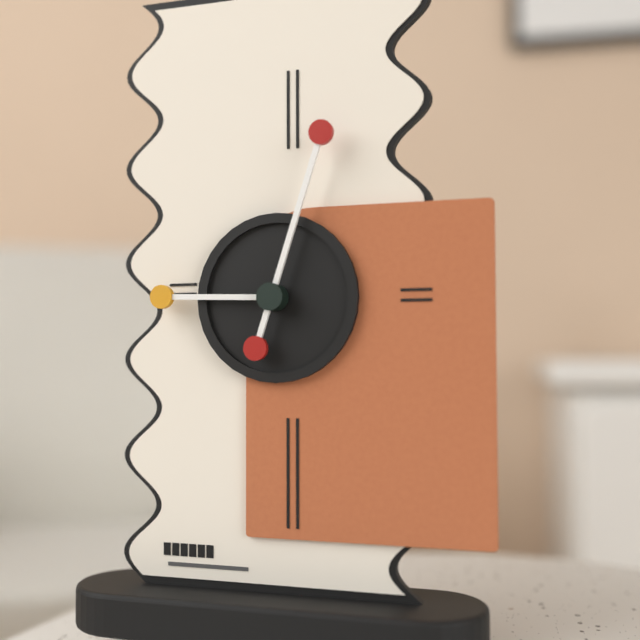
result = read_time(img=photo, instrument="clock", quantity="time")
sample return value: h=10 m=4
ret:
h=9 m=3
